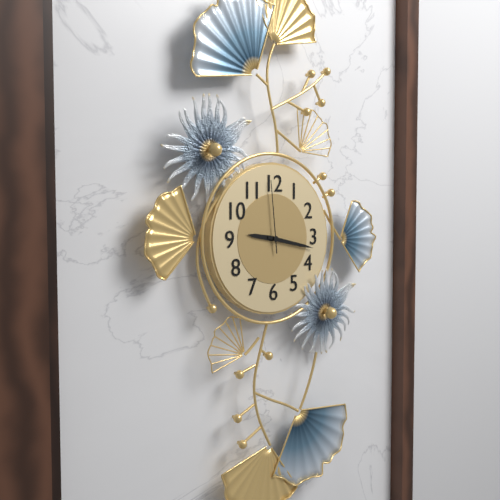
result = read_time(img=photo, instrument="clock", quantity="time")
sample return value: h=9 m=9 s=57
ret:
h=9 m=17 s=59
